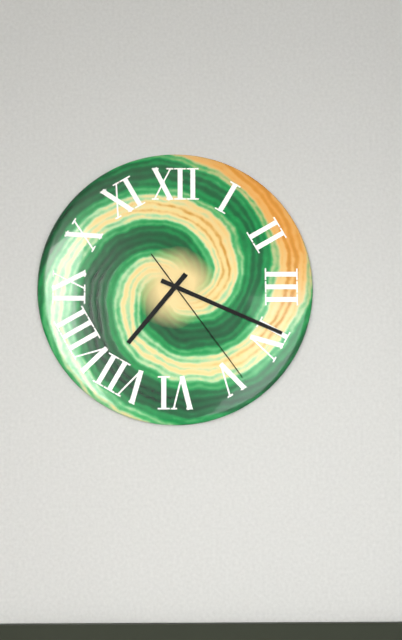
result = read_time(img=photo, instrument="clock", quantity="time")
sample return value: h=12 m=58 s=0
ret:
h=7 m=19 s=24
